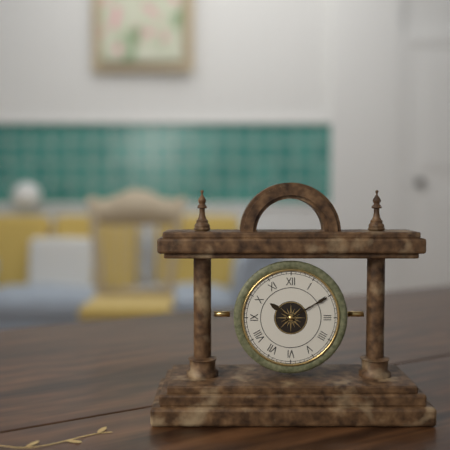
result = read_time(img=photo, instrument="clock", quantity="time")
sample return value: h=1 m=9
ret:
h=10 m=10
